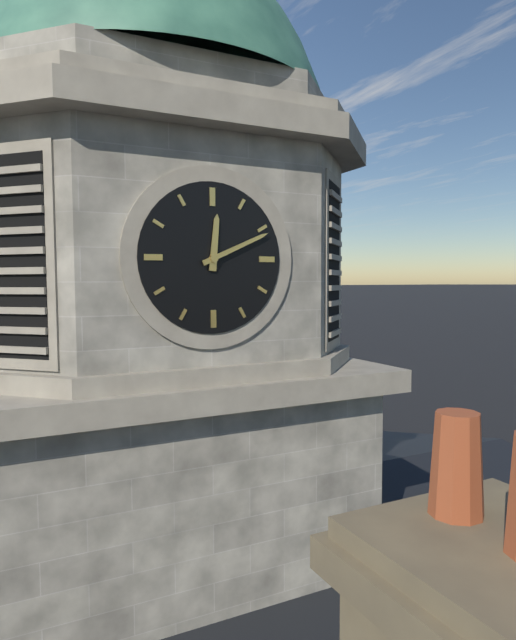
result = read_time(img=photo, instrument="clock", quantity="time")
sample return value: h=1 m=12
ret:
h=12 m=11
